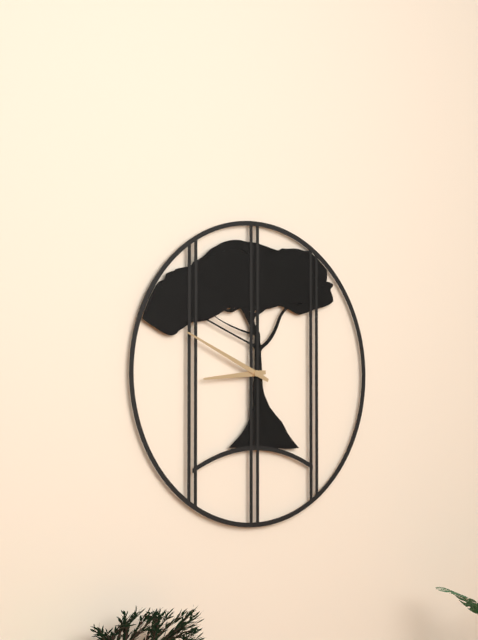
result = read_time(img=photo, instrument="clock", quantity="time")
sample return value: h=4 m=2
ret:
h=8 m=49
